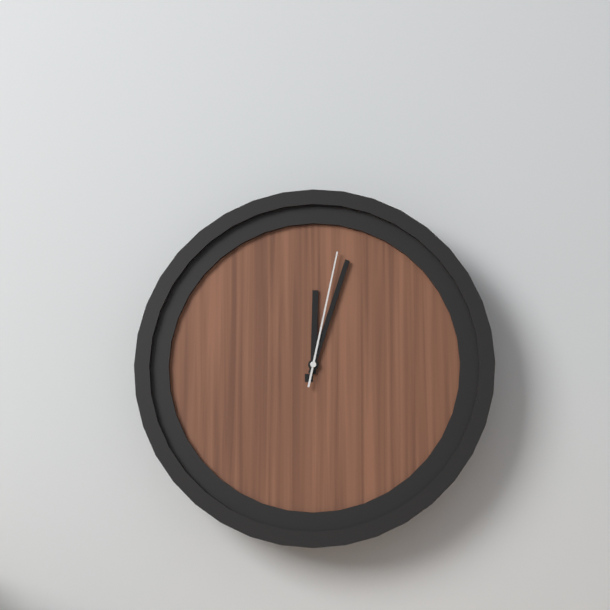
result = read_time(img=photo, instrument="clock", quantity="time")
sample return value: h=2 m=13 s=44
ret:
h=12 m=3 s=2
